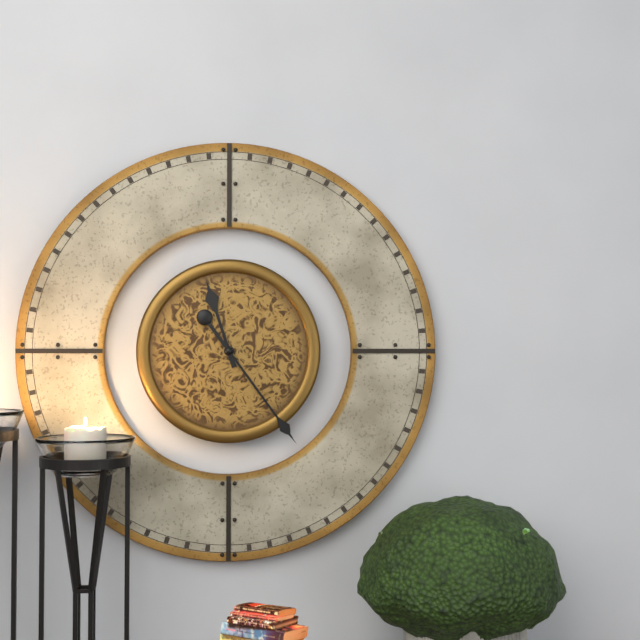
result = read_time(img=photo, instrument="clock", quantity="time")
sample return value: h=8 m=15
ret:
h=11 m=24
